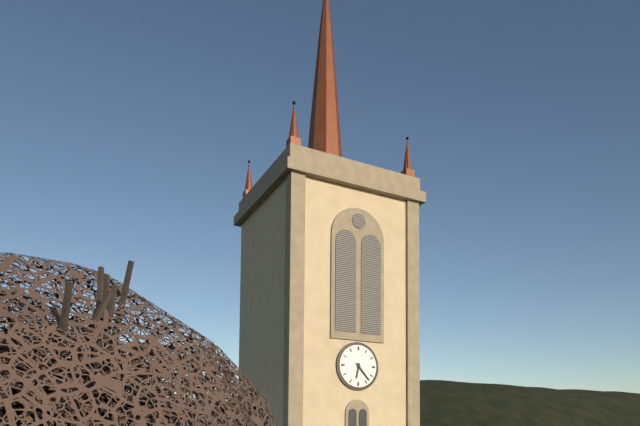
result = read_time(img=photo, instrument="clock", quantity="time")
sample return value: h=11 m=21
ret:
h=6 m=23
